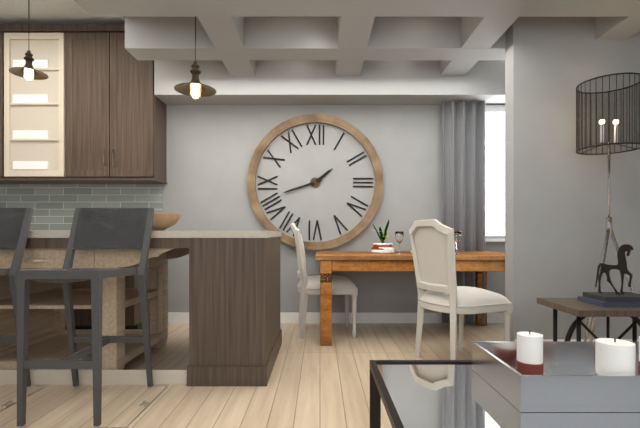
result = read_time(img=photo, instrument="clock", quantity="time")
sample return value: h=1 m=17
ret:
h=1 m=42
